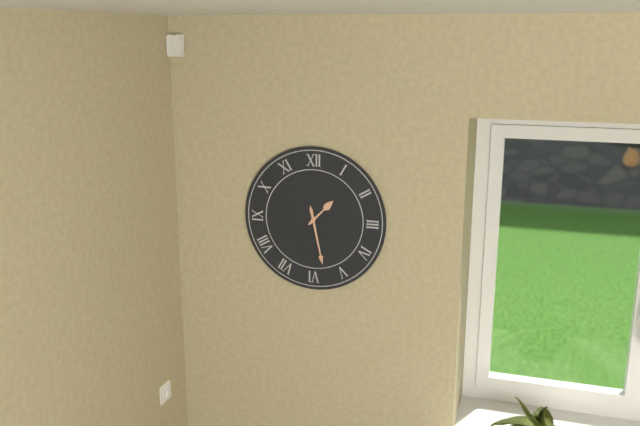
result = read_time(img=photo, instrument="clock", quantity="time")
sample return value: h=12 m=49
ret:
h=1 m=28
